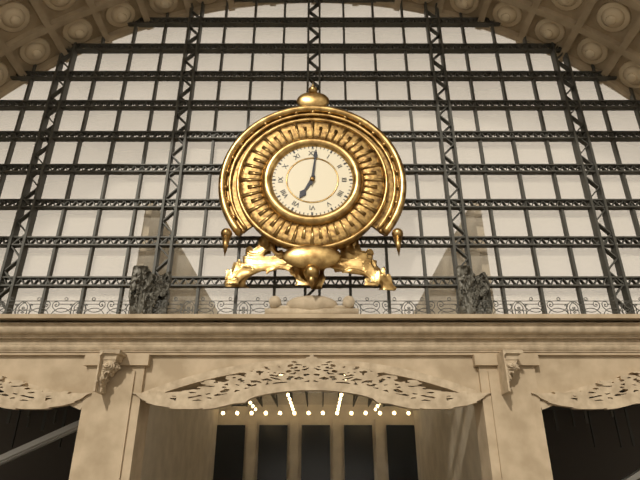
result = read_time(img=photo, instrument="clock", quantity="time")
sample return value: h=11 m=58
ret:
h=7 m=1
